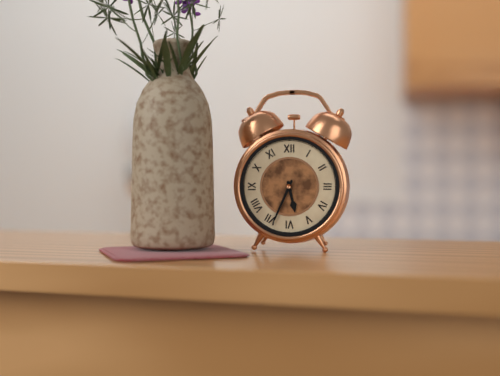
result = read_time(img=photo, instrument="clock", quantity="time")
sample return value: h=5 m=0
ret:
h=5 m=34
